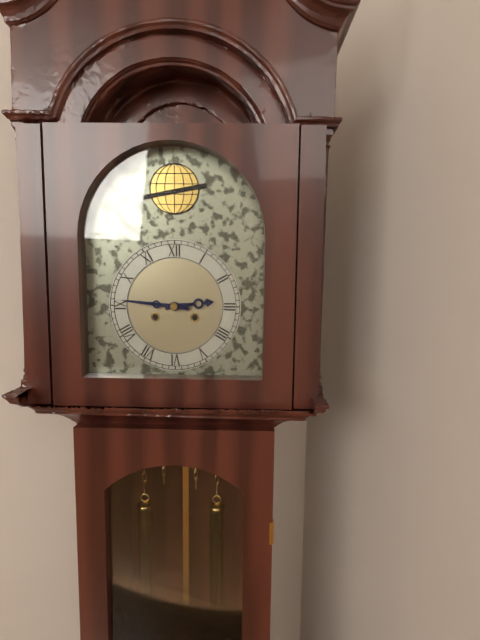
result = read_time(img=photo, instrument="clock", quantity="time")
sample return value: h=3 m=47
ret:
h=2 m=46
